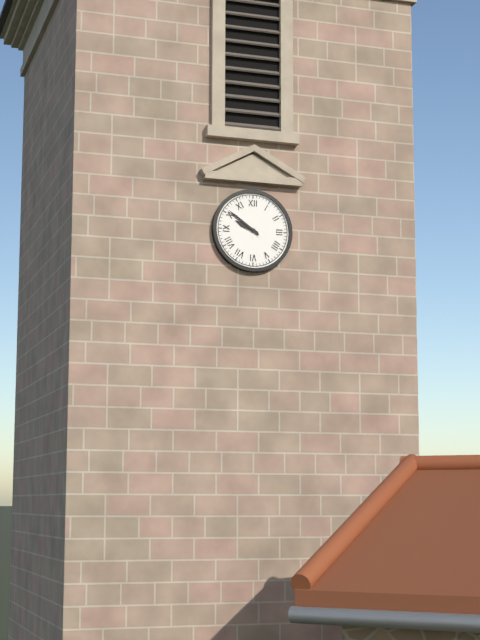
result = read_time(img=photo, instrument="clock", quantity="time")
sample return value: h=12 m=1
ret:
h=9 m=51
